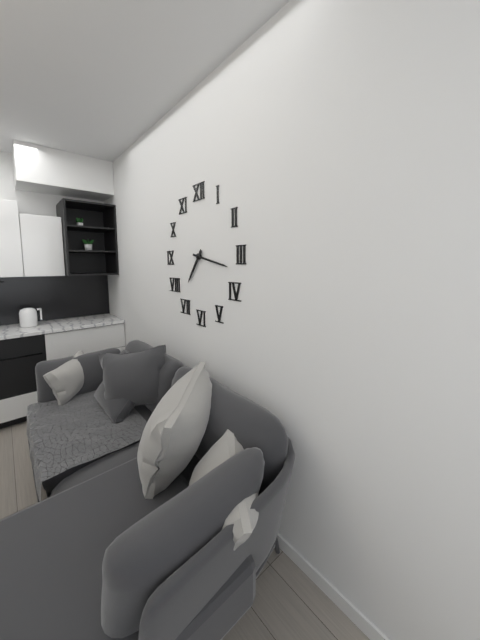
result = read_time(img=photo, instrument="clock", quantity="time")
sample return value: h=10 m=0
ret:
h=7 m=17
